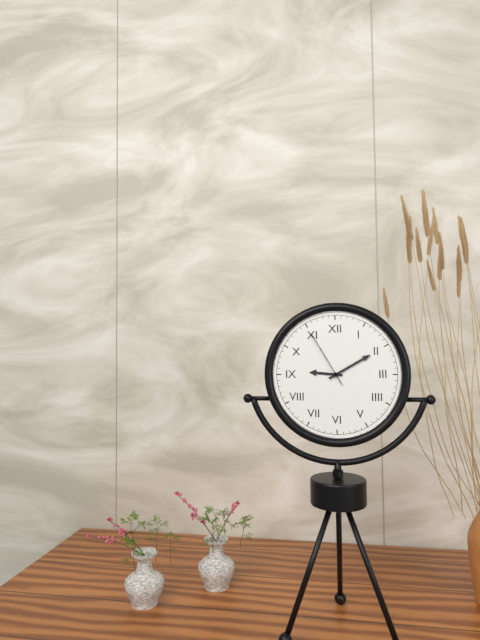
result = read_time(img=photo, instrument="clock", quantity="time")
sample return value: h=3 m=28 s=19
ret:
h=9 m=10 s=55
